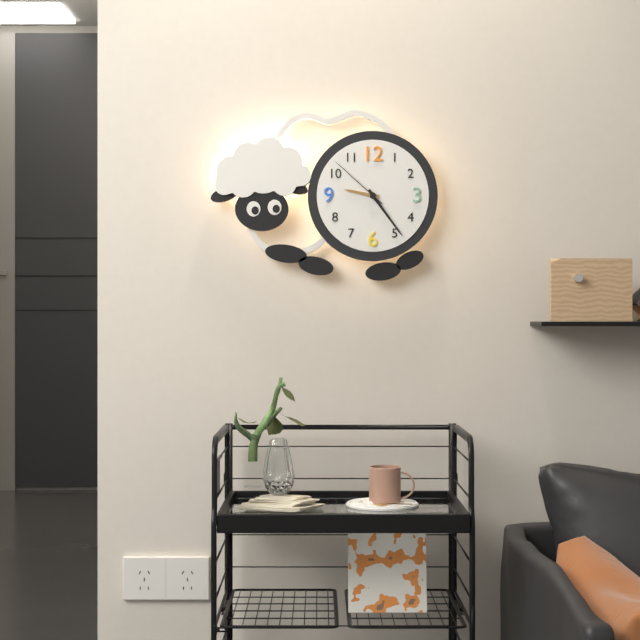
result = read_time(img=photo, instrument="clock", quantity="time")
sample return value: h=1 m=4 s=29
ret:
h=9 m=24 s=52
